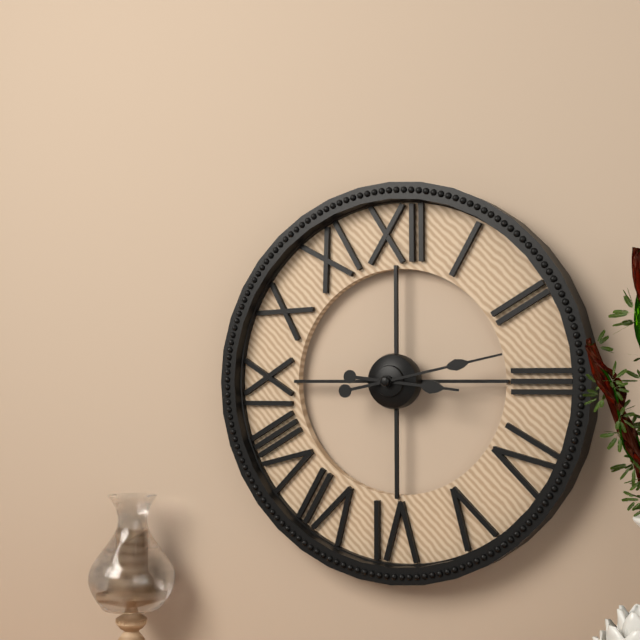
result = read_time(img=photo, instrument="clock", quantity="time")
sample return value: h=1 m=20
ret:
h=3 m=13
